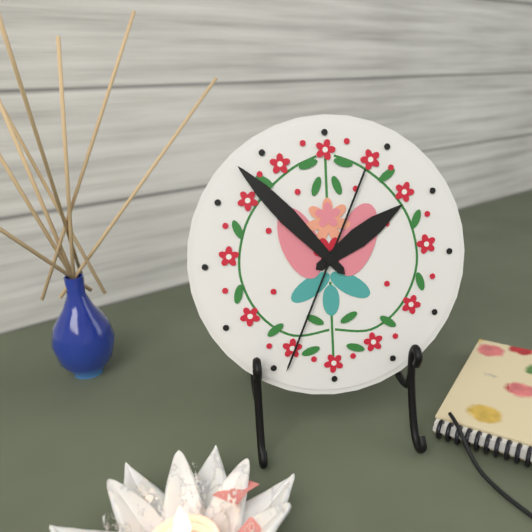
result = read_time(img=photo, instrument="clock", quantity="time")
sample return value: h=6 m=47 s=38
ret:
h=1 m=53 s=34
